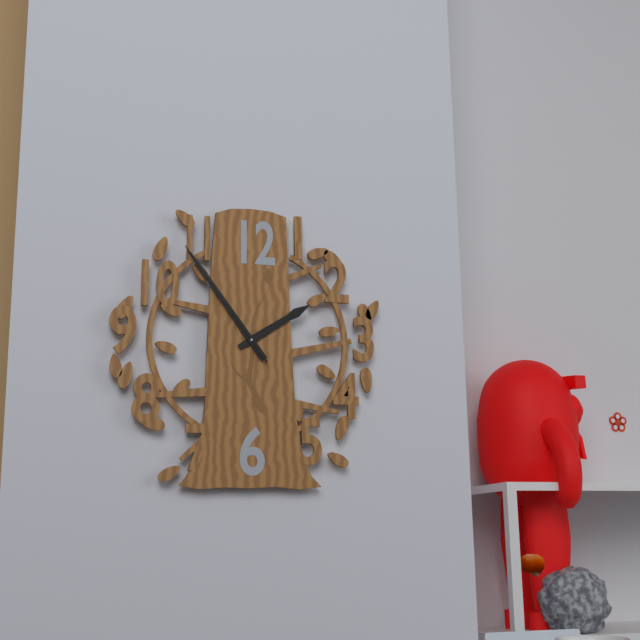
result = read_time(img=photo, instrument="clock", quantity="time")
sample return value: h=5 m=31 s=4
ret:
h=1 m=54 s=54
